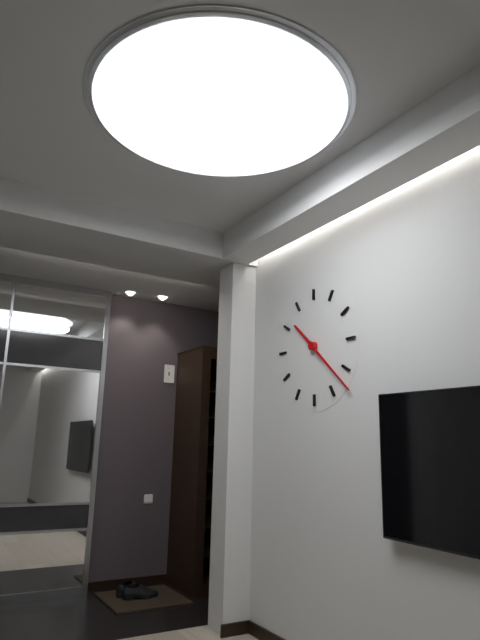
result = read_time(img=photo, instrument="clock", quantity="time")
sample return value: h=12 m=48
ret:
h=10 m=22
